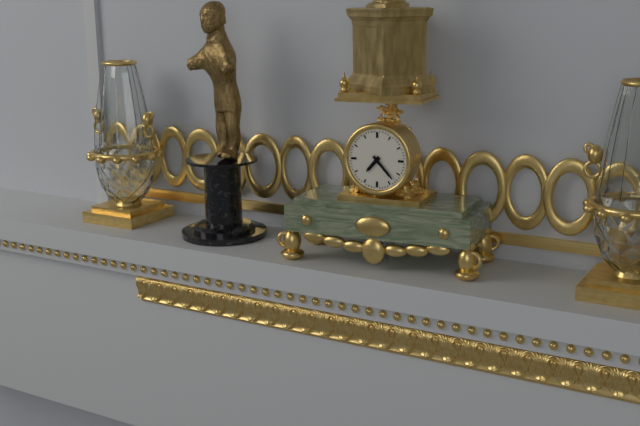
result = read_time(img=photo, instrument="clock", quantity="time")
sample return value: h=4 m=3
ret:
h=7 m=23
